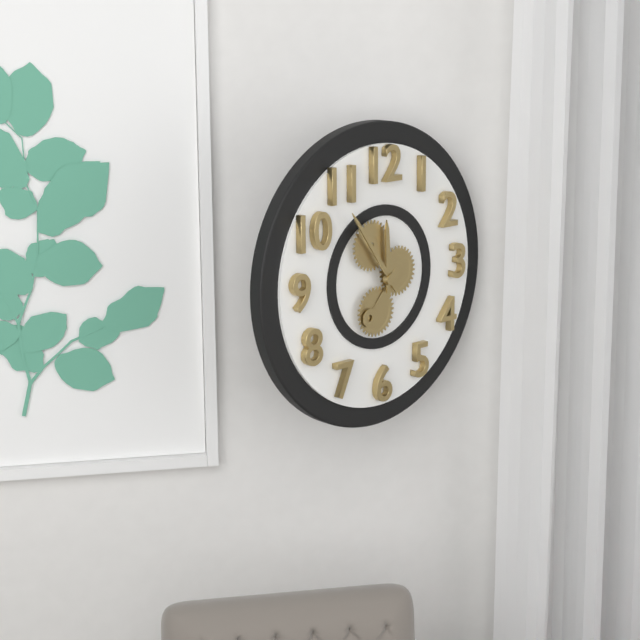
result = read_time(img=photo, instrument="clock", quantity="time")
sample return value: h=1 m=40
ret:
h=11 m=54
